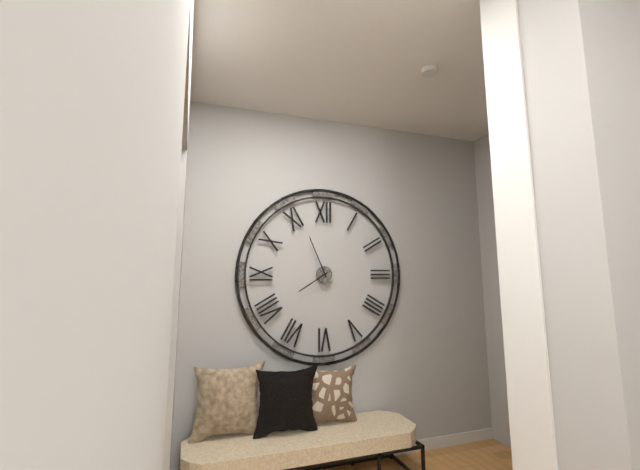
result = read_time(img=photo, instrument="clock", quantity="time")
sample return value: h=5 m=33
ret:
h=7 m=56
